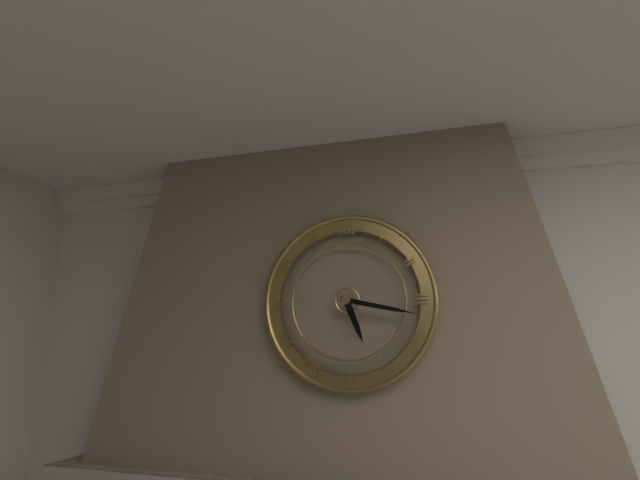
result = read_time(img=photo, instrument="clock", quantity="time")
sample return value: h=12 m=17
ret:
h=5 m=17
